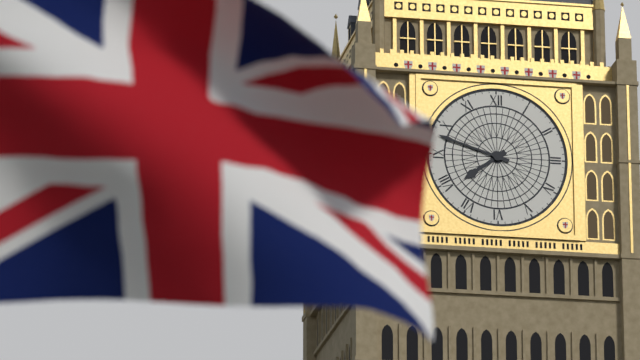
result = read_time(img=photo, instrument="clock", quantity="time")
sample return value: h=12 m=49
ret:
h=7 m=48
